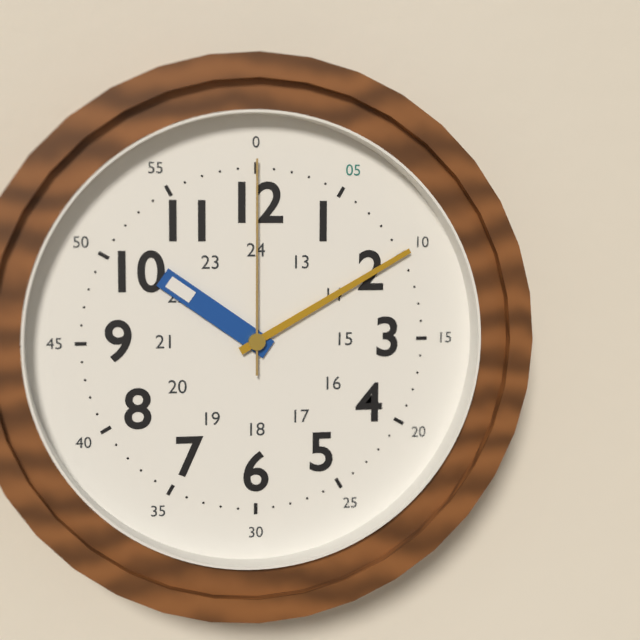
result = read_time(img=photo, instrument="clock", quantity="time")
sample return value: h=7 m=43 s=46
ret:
h=10 m=10 s=0
